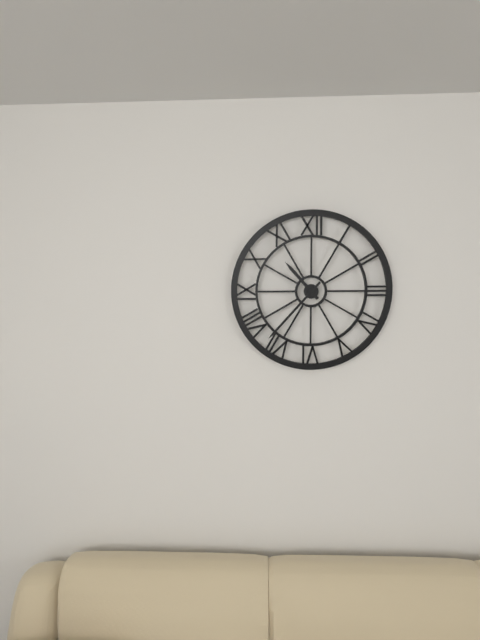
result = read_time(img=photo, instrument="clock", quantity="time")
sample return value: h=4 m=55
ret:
h=10 m=37
